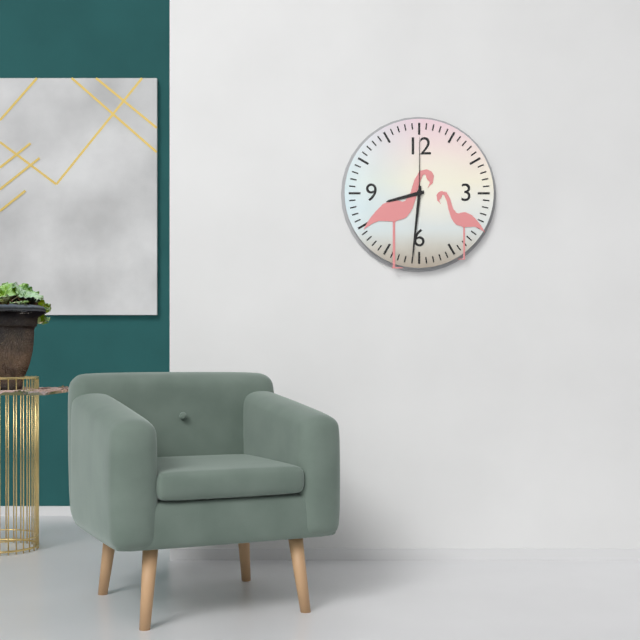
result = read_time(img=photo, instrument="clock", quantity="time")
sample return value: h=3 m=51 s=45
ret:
h=8 m=31 s=0
